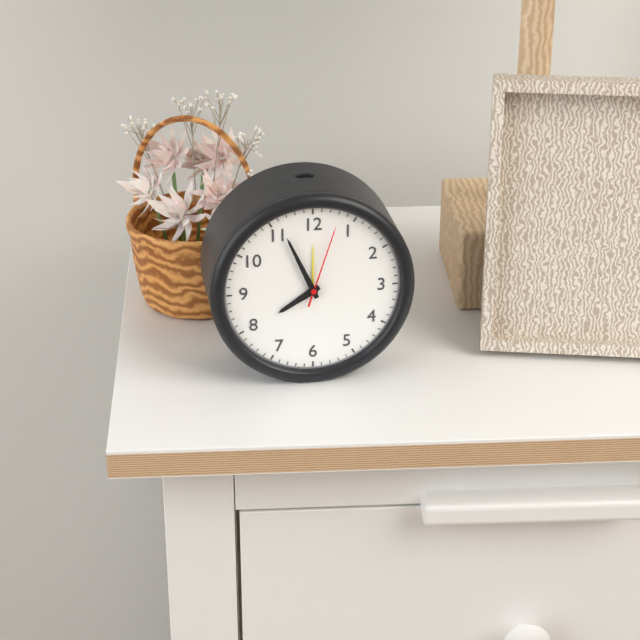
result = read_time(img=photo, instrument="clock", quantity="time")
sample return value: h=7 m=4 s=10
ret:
h=7 m=56 s=3
